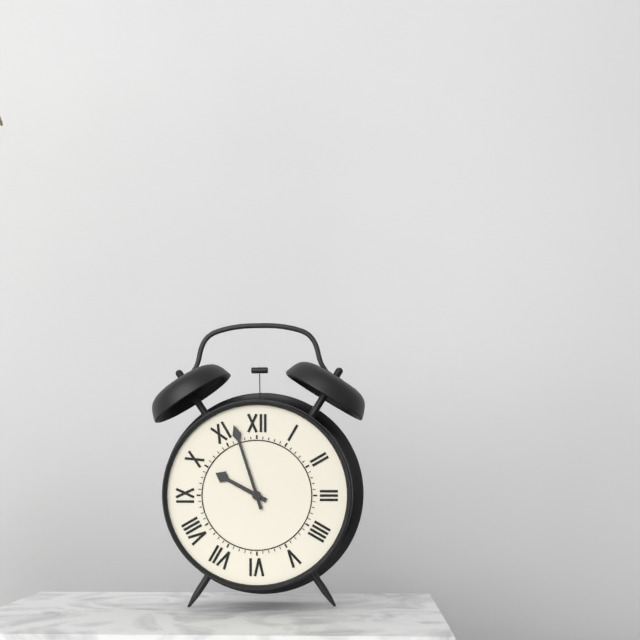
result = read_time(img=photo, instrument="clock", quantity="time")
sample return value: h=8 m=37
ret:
h=9 m=57
